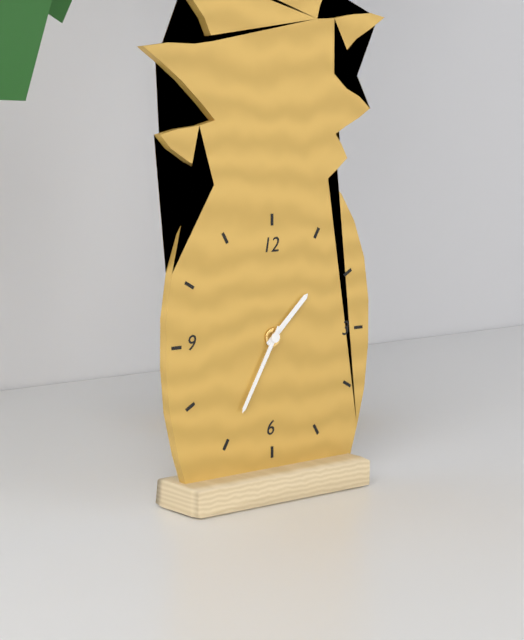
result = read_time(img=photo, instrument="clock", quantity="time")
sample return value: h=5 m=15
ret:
h=1 m=35
